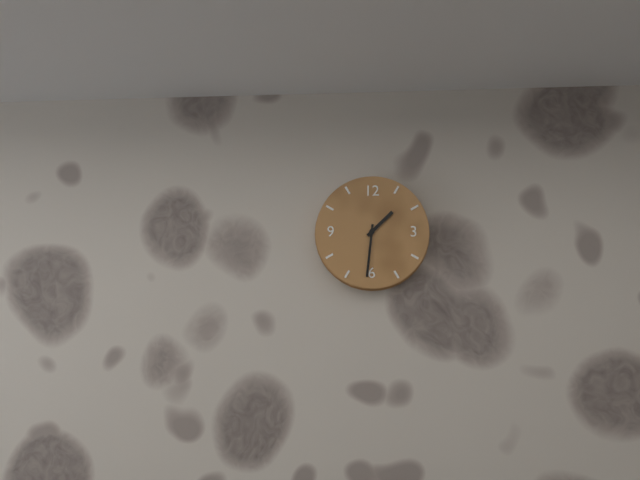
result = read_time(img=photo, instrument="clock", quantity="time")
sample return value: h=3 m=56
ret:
h=1 m=31
